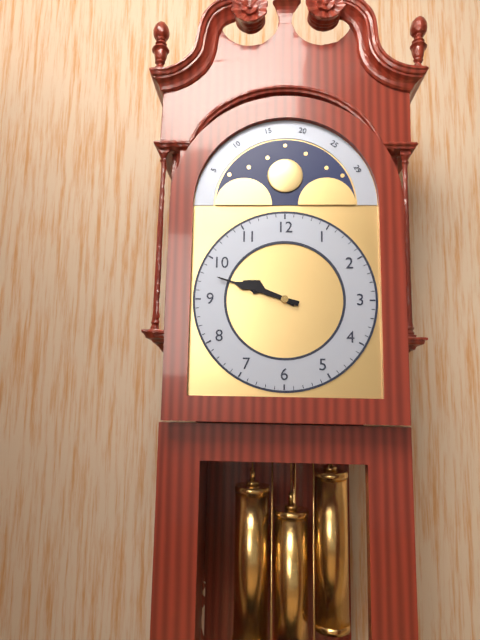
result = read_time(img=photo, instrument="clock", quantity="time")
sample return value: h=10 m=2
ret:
h=9 m=48
